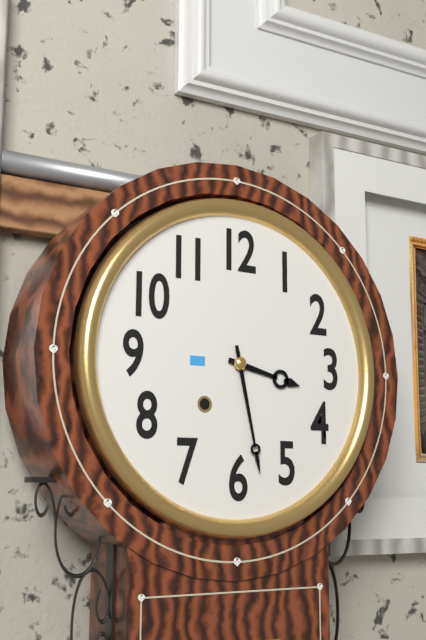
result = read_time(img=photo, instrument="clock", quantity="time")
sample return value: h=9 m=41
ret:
h=3 m=28
